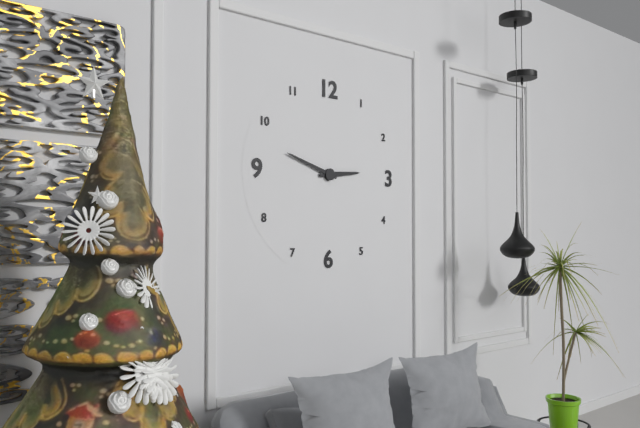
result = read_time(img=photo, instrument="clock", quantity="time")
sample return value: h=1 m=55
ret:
h=2 m=48
